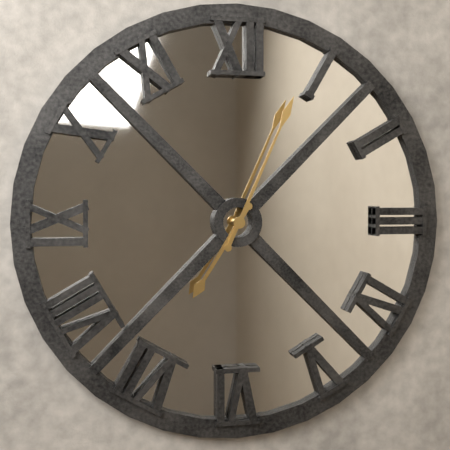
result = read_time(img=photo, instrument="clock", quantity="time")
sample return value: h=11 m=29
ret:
h=7 m=4
